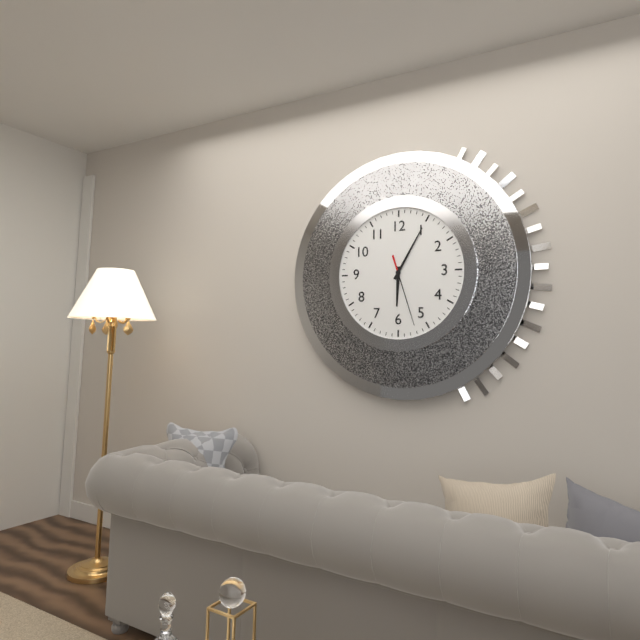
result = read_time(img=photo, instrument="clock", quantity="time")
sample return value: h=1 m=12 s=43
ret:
h=6 m=5 s=27
